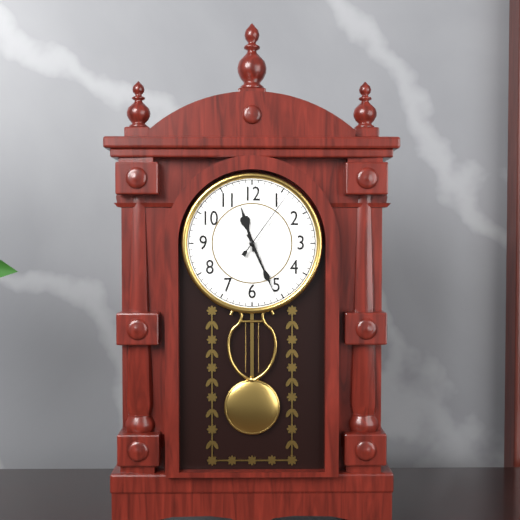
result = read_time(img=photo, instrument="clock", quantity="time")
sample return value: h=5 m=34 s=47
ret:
h=11 m=26 s=6
